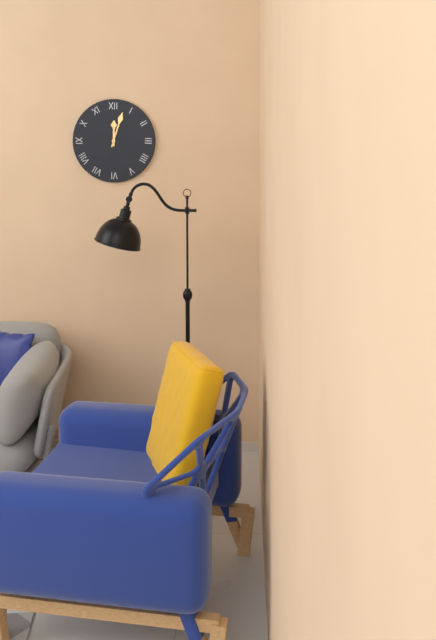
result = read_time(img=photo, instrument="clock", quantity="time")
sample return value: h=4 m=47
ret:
h=12 m=3
